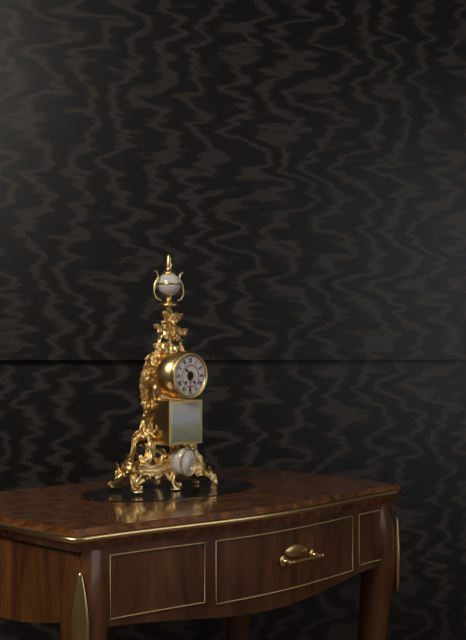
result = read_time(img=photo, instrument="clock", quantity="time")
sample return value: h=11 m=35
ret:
h=10 m=31
